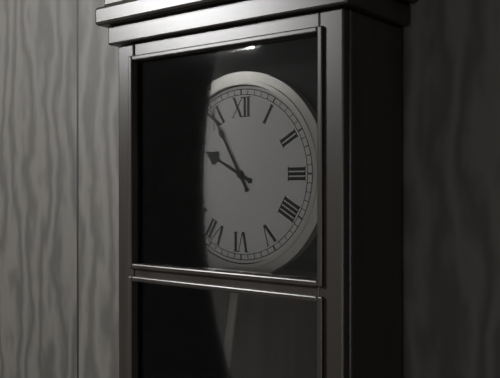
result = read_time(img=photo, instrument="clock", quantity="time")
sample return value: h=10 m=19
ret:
h=9 m=55
